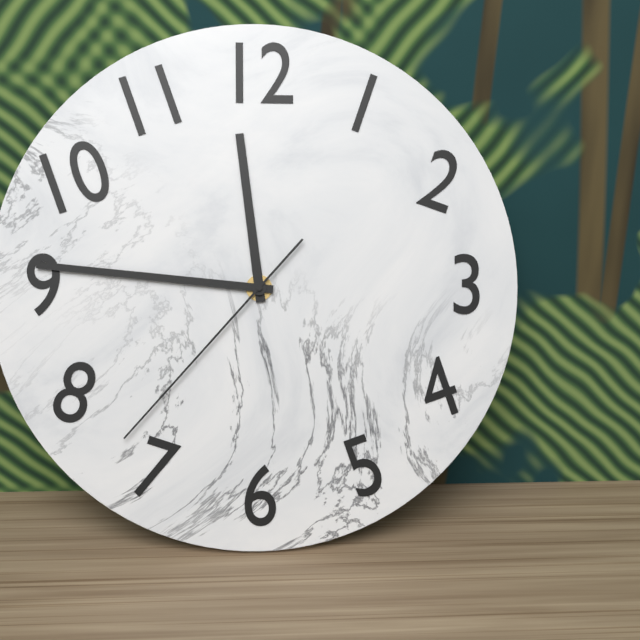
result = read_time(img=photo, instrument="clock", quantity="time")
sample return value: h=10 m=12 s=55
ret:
h=11 m=46 s=37
